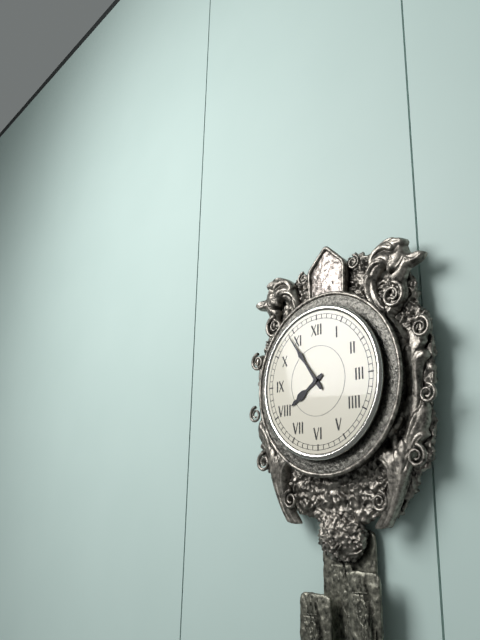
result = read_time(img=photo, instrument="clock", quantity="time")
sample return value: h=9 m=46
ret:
h=7 m=54
